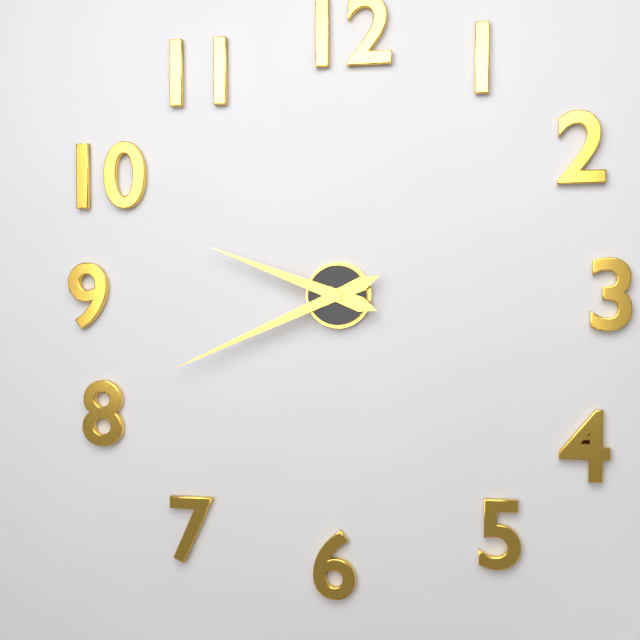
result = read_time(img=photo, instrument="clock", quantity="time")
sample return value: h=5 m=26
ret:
h=9 m=41
